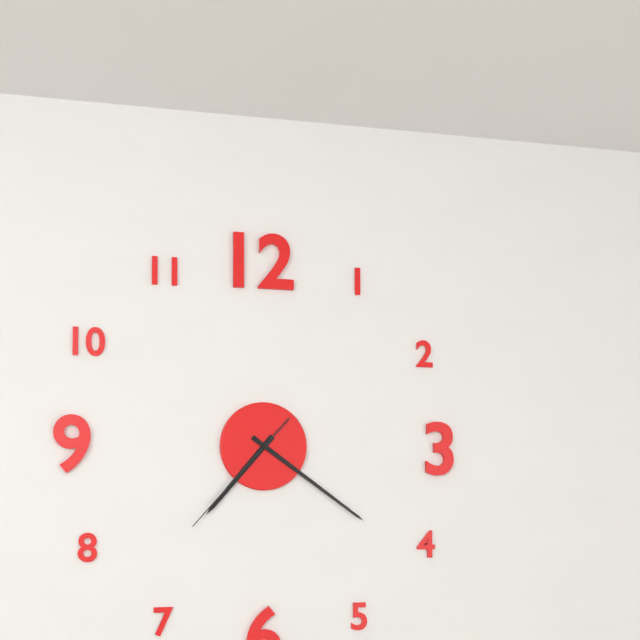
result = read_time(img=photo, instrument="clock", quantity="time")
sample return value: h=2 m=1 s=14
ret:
h=7 m=21 s=37
